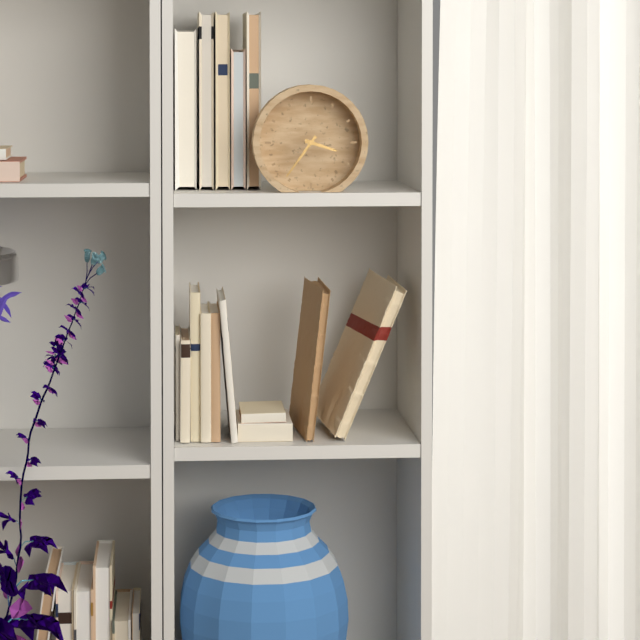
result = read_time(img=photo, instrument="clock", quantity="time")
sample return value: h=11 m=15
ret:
h=3 m=36
